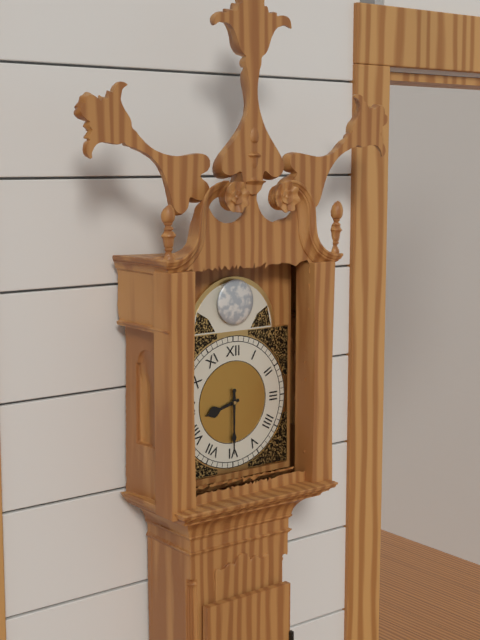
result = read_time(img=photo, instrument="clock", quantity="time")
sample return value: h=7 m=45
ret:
h=8 m=30
